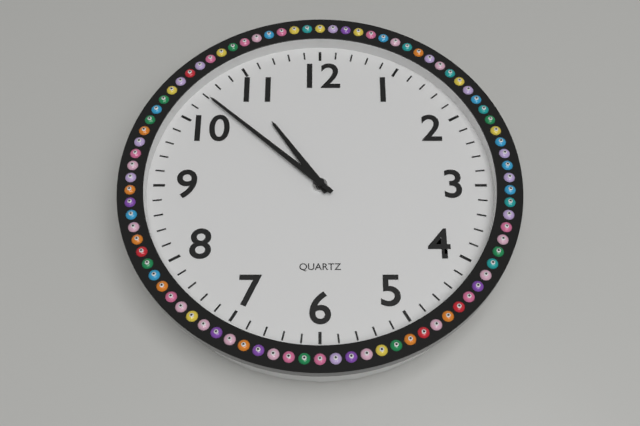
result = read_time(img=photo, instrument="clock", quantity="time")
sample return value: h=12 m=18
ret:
h=10 m=52
